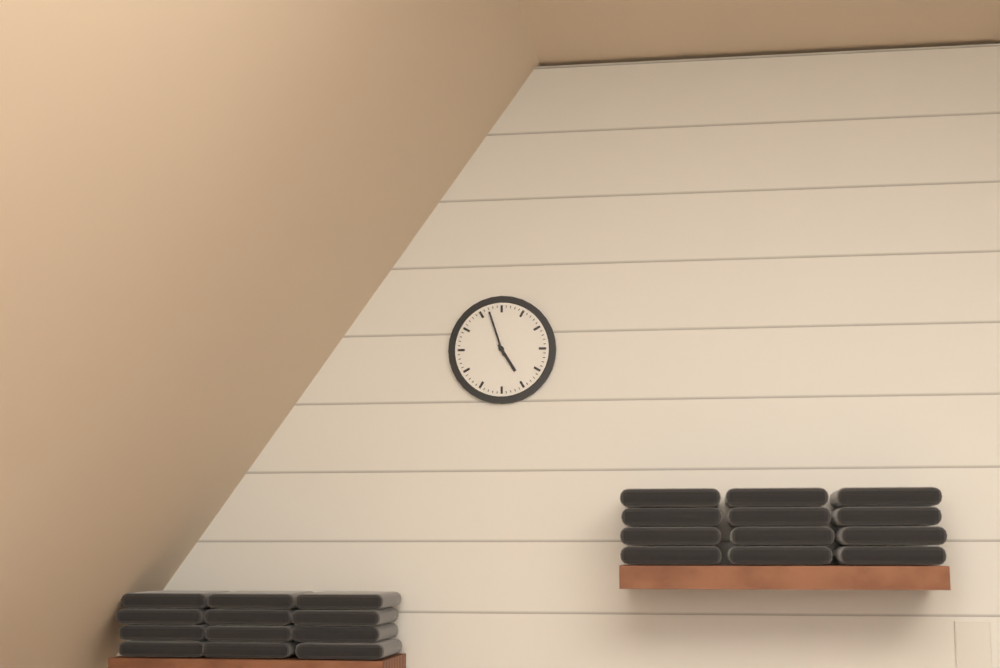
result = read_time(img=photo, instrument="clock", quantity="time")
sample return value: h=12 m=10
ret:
h=4 m=57
